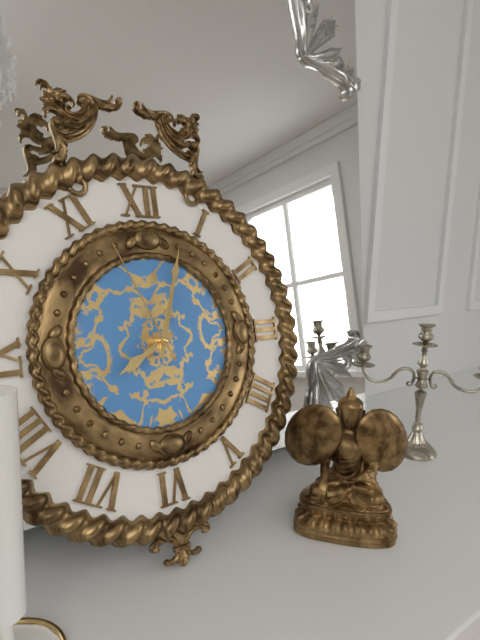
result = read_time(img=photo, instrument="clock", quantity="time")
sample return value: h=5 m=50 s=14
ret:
h=8 m=3 s=56
